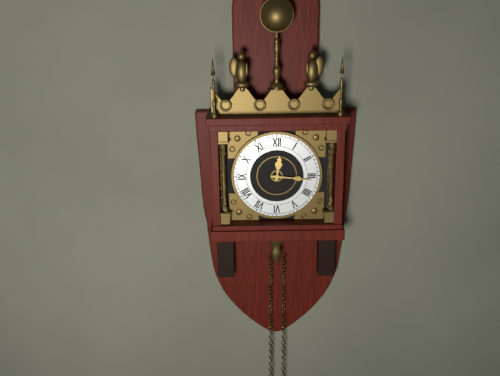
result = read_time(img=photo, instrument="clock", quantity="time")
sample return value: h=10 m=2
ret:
h=12 m=16
